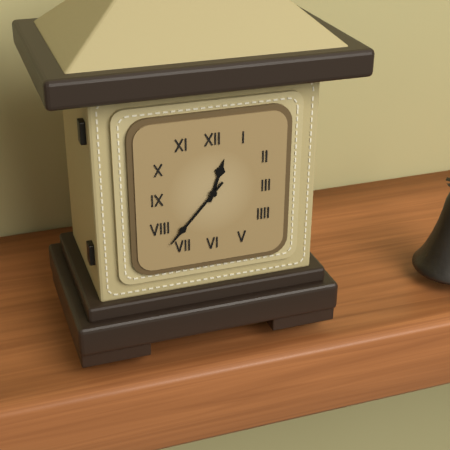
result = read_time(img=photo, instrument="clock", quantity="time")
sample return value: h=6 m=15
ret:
h=12 m=37
